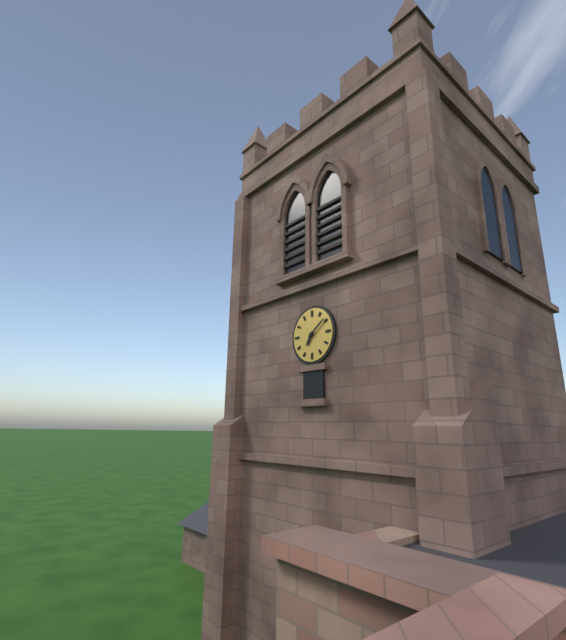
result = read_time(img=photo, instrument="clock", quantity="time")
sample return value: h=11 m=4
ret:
h=7 m=9
